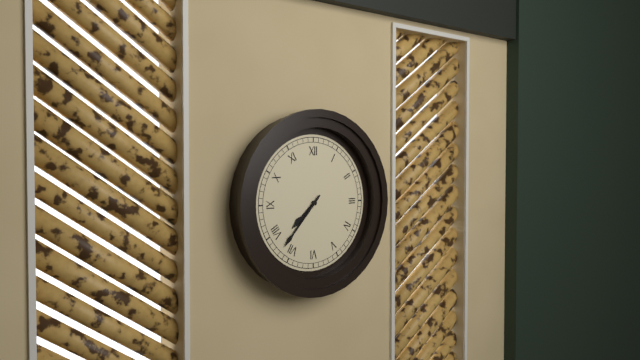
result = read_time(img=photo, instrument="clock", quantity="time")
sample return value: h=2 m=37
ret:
h=7 m=37
